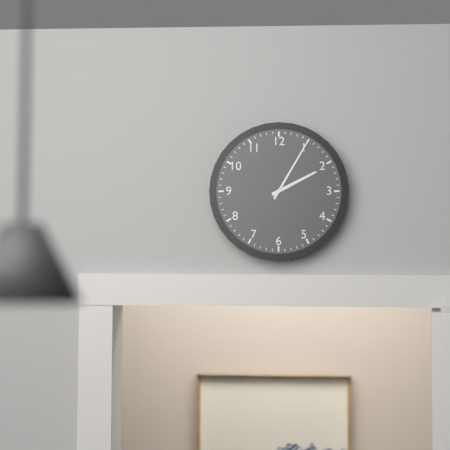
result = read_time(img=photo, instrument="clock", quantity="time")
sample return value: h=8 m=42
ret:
h=2 m=5
